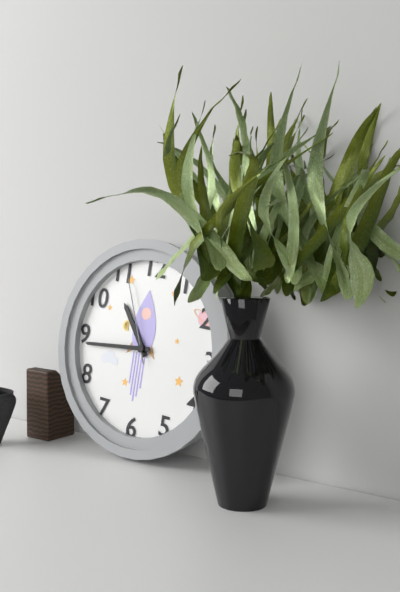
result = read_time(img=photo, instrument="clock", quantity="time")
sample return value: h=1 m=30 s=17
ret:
h=10 m=44 s=56
